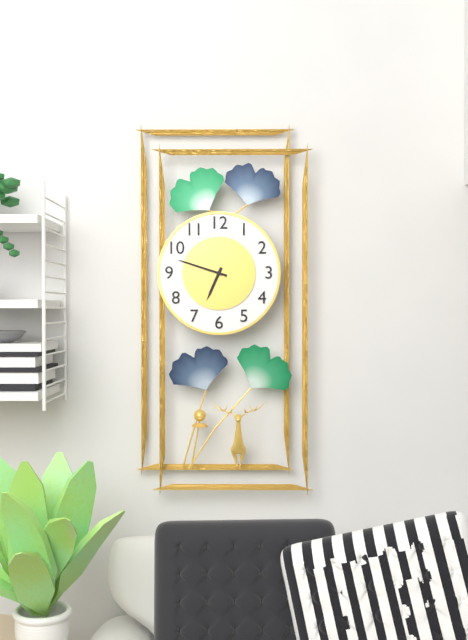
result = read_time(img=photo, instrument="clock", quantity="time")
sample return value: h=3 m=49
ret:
h=6 m=48
